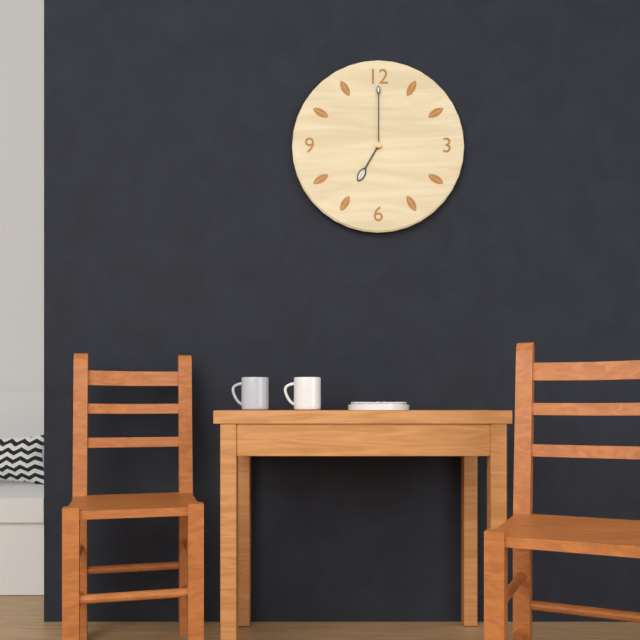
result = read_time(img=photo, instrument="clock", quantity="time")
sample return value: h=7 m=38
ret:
h=7 m=0
